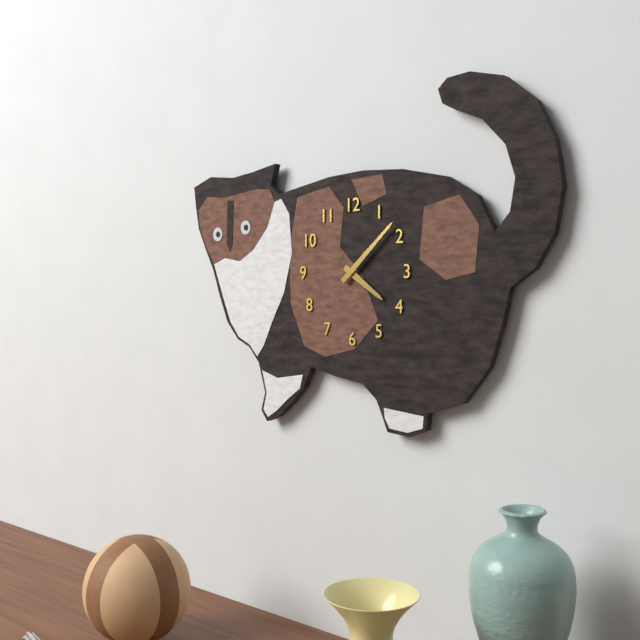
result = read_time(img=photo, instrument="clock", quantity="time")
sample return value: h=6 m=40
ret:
h=4 m=8
